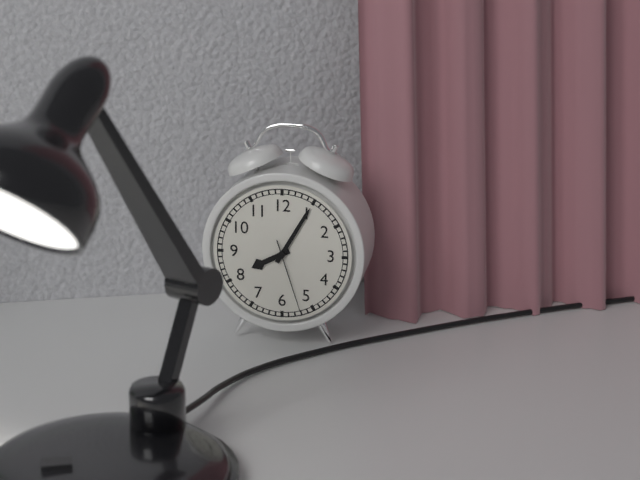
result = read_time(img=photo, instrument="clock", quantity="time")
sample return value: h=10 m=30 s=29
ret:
h=8 m=5 s=27
